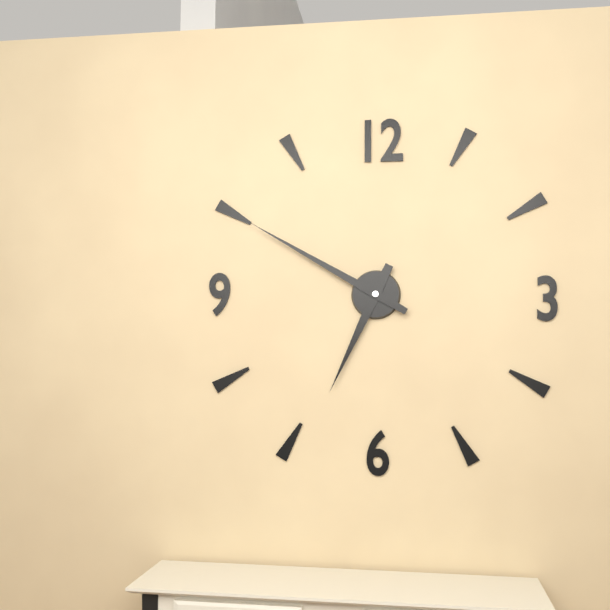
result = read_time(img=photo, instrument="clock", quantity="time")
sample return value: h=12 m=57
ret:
h=6 m=50
